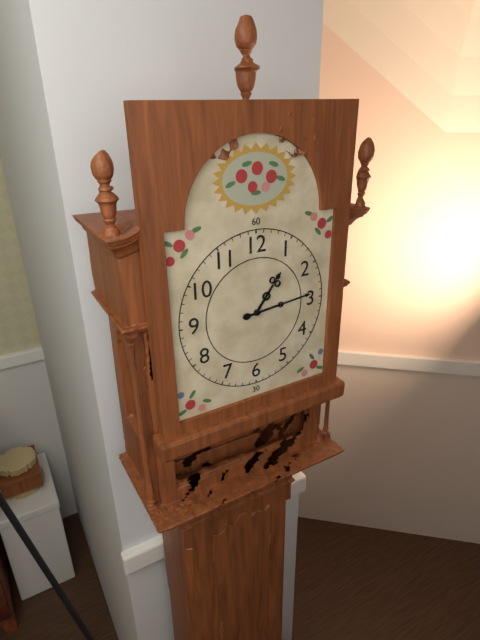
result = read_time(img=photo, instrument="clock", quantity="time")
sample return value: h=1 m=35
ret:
h=1 m=14
